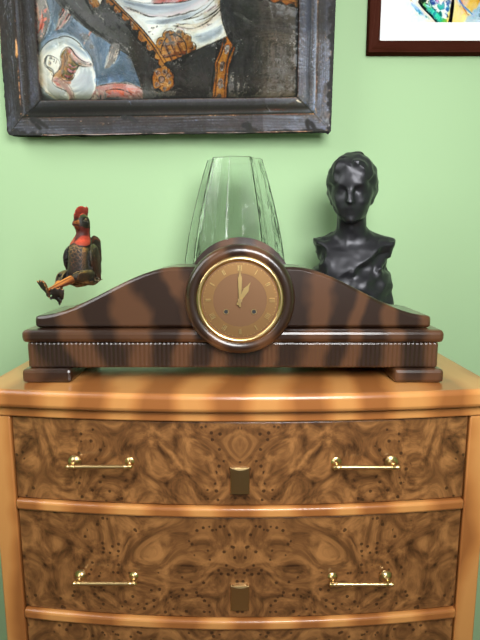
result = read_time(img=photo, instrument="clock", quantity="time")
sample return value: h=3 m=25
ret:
h=1 m=0
